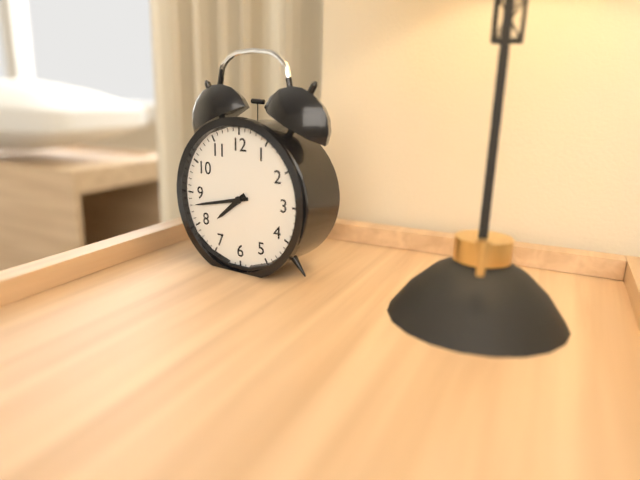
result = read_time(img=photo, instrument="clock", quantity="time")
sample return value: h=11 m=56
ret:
h=7 m=43
